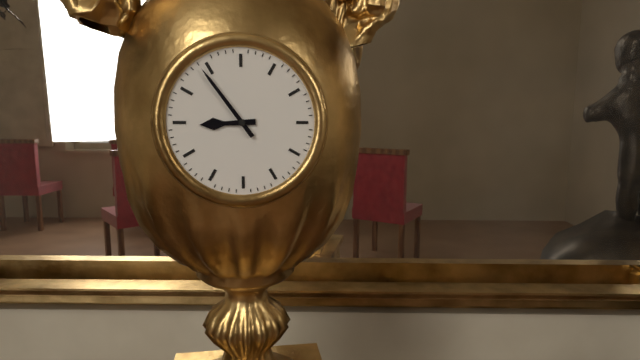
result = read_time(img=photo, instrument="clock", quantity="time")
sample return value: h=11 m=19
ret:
h=8 m=54
